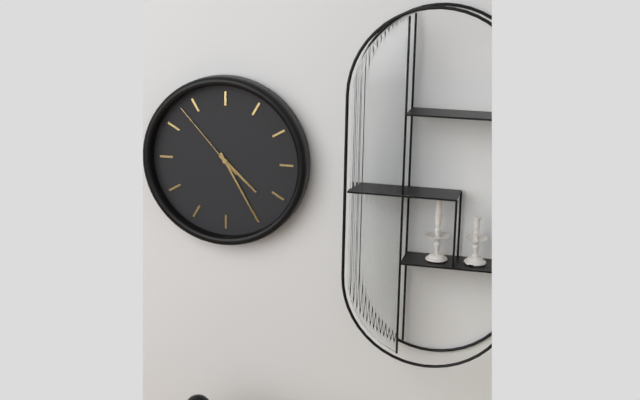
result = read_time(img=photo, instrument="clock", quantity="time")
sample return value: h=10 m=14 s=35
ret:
h=4 m=25 s=53
